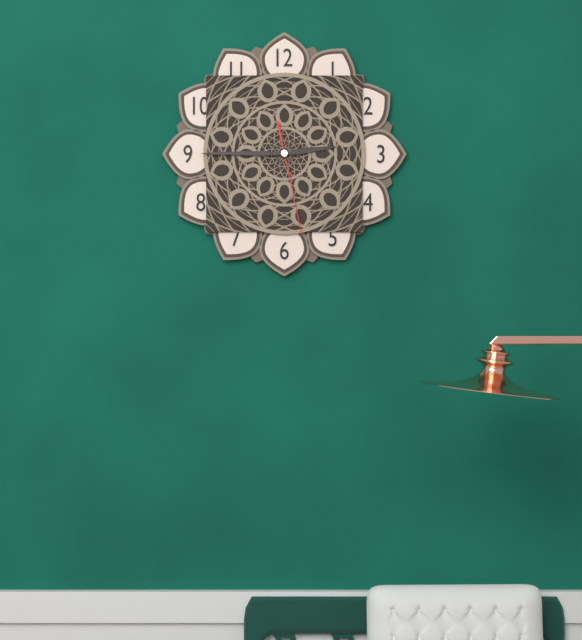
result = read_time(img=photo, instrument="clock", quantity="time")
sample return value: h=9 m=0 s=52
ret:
h=2 m=45 s=28
